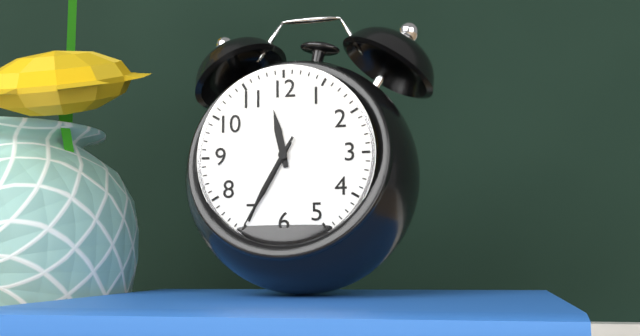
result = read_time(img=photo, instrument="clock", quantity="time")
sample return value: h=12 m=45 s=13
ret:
h=11 m=35 s=35
